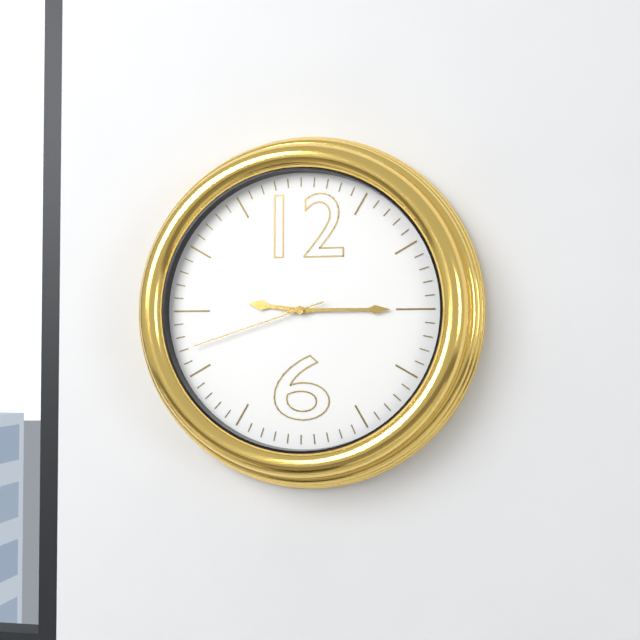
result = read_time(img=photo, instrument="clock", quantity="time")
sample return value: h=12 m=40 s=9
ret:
h=9 m=15 s=42
